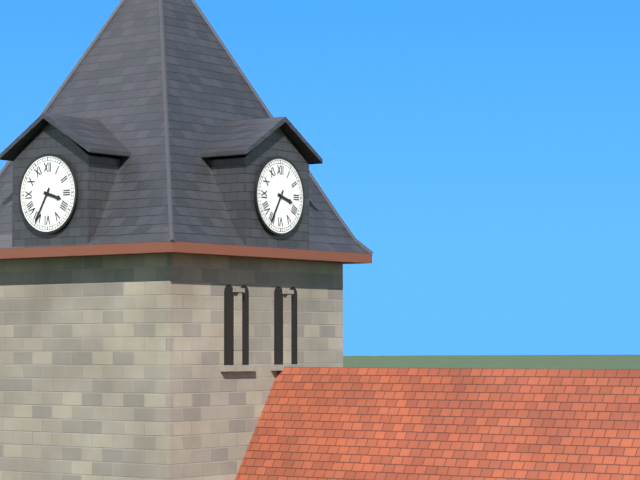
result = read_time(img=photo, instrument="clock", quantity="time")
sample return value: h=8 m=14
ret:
h=3 m=35
